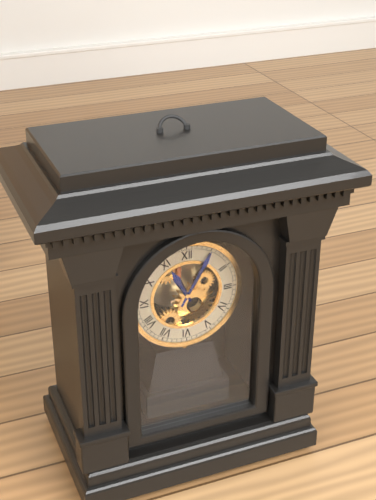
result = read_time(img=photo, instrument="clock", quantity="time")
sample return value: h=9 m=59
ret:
h=11 m=5
